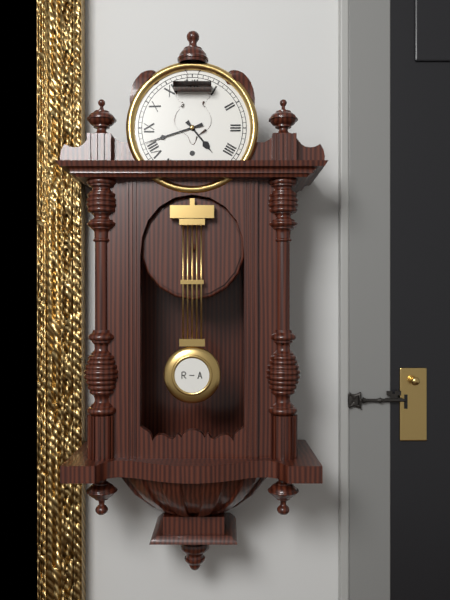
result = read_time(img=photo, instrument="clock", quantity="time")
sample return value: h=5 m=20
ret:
h=4 m=42
